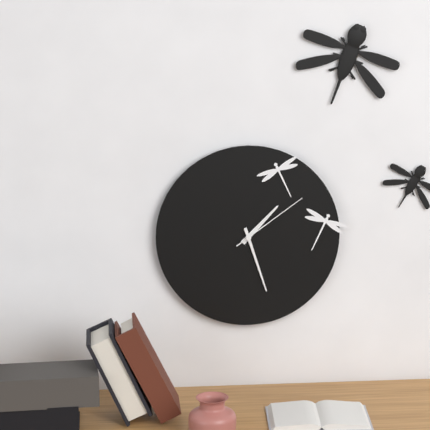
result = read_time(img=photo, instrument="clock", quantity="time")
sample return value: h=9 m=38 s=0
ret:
h=1 m=27 s=9
